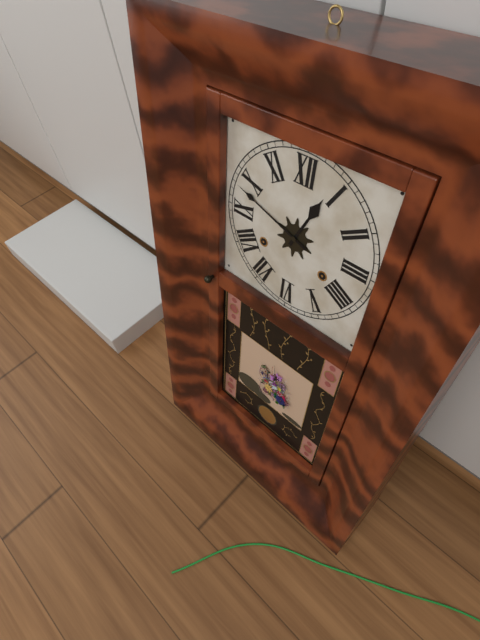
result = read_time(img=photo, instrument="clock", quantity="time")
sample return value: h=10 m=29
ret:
h=12 m=48
